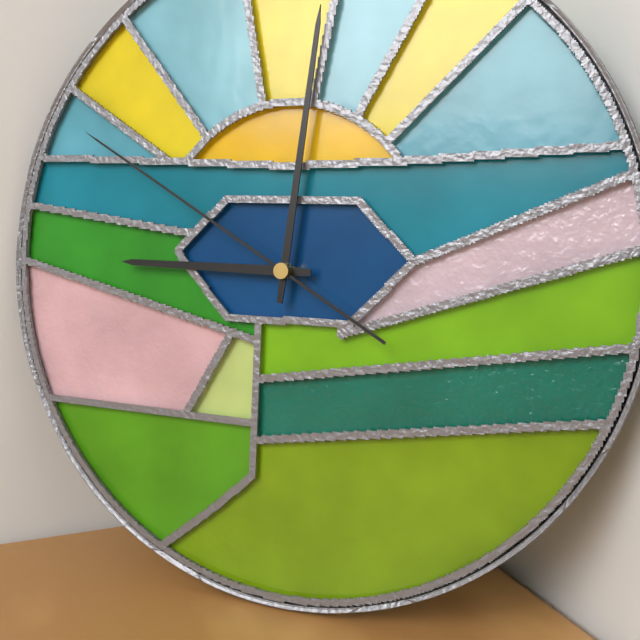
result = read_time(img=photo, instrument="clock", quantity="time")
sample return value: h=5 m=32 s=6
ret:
h=9 m=1 s=50
